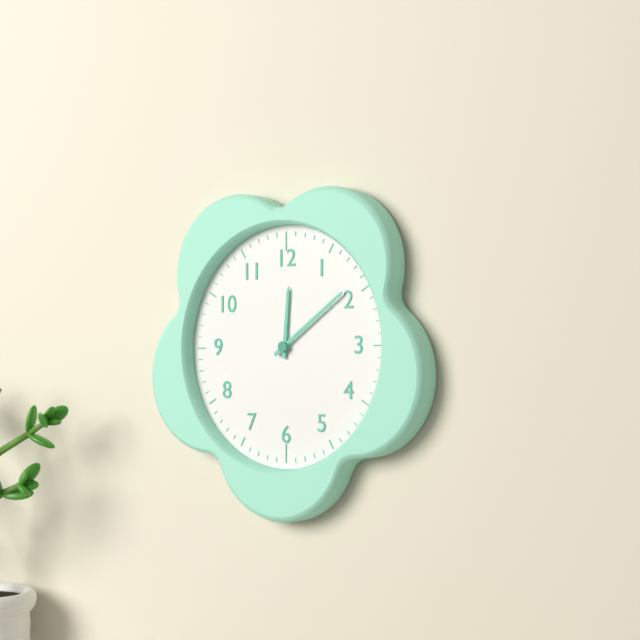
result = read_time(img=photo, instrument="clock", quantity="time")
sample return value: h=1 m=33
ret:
h=12 m=9
